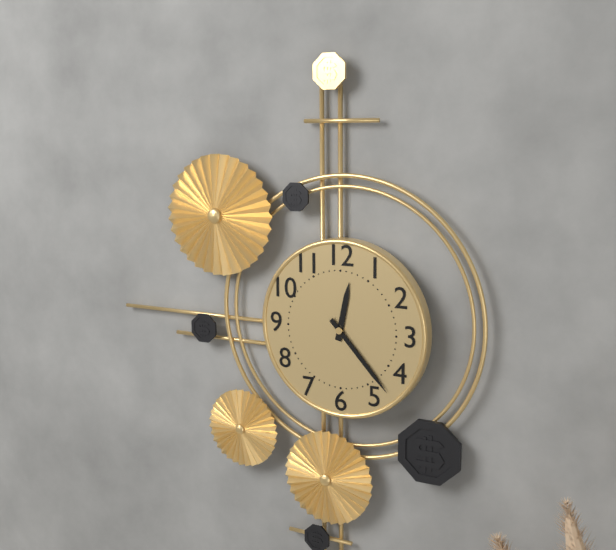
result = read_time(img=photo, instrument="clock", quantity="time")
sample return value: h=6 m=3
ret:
h=12 m=23
